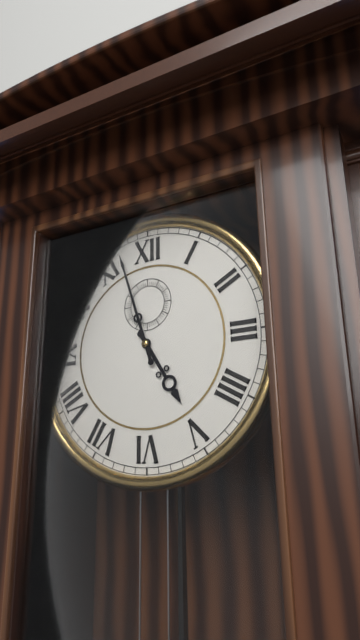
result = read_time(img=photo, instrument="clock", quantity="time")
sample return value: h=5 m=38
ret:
h=4 m=57
